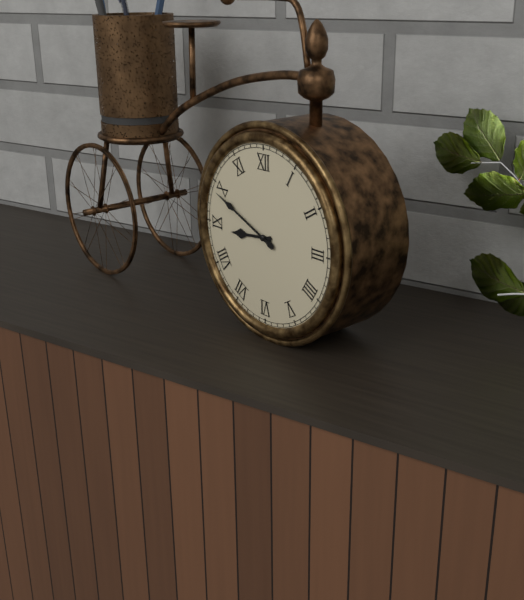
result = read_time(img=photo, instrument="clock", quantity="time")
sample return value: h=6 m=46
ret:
h=8 m=49
